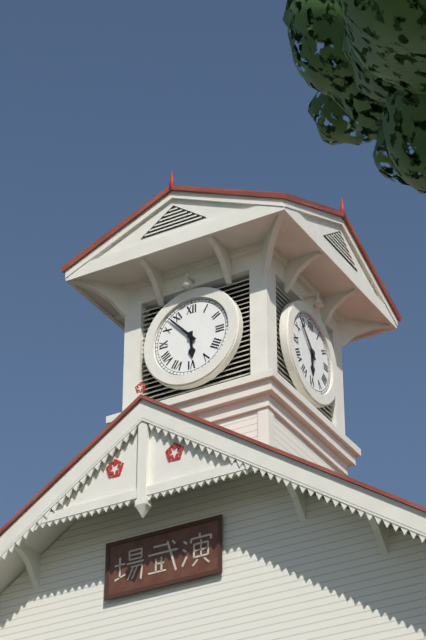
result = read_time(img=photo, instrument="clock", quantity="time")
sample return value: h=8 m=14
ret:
h=5 m=53
